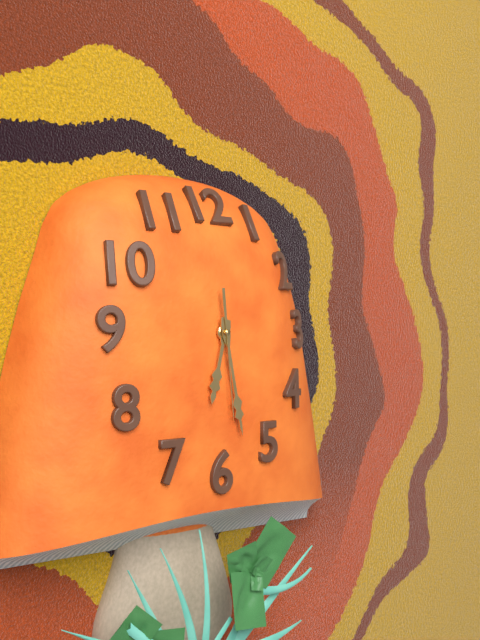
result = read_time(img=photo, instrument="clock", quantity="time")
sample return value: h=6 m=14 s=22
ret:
h=6 m=28 s=29
